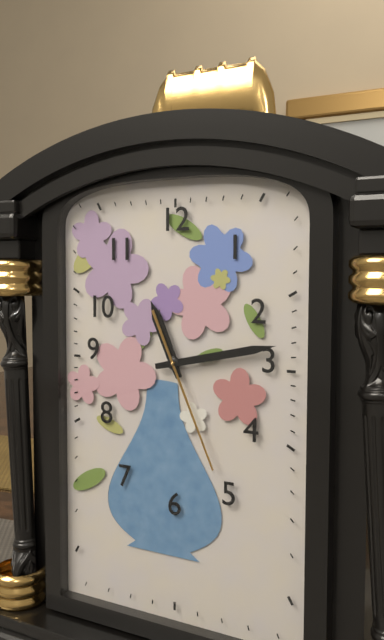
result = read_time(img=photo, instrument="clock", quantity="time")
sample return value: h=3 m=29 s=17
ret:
h=11 m=13 s=26
